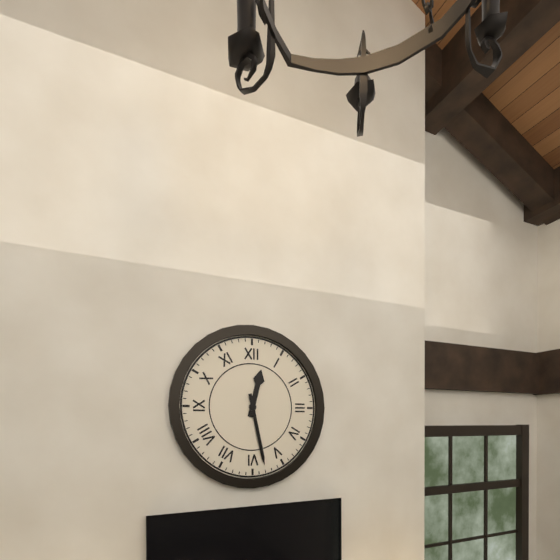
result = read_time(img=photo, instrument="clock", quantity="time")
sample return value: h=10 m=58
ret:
h=12 m=28
